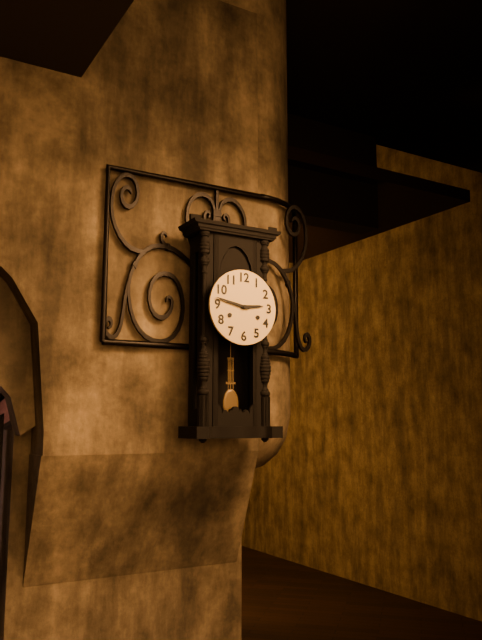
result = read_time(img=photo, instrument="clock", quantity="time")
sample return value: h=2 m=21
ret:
h=2 m=47
